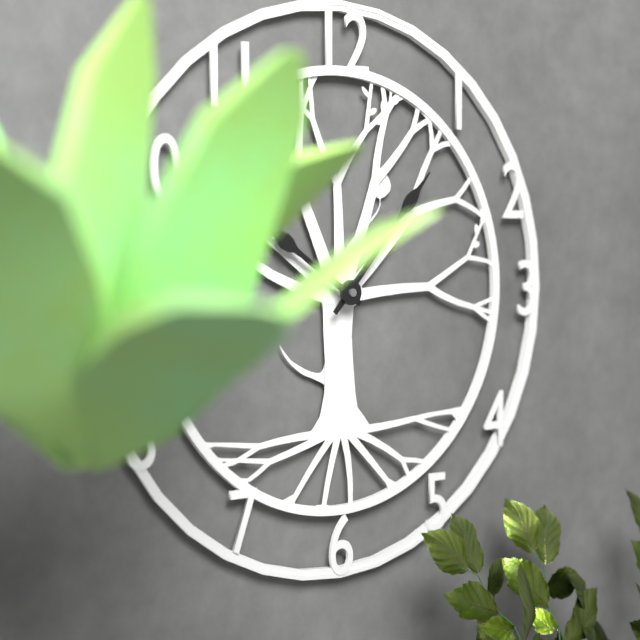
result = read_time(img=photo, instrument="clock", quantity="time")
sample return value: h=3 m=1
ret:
h=10 m=7
